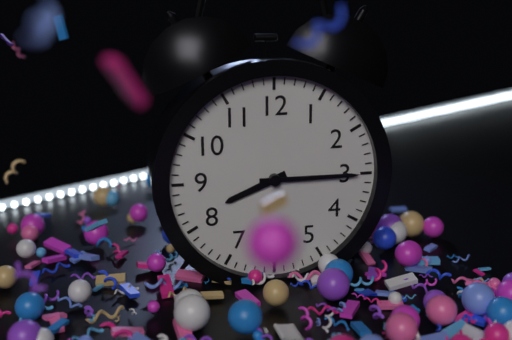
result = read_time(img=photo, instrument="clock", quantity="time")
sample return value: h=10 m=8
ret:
h=8 m=15
